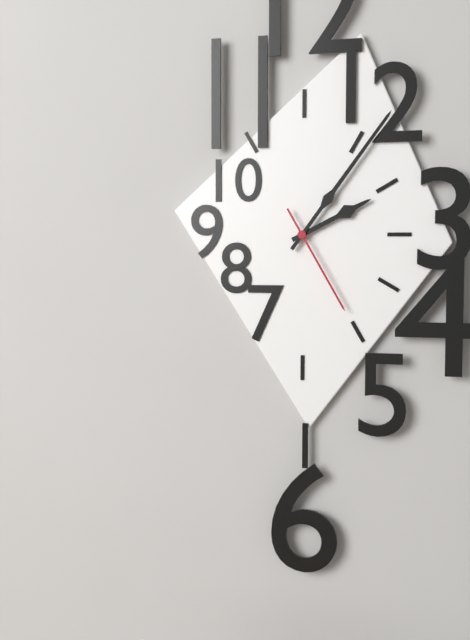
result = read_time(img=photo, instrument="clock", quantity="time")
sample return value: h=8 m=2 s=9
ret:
h=2 m=6 s=25
